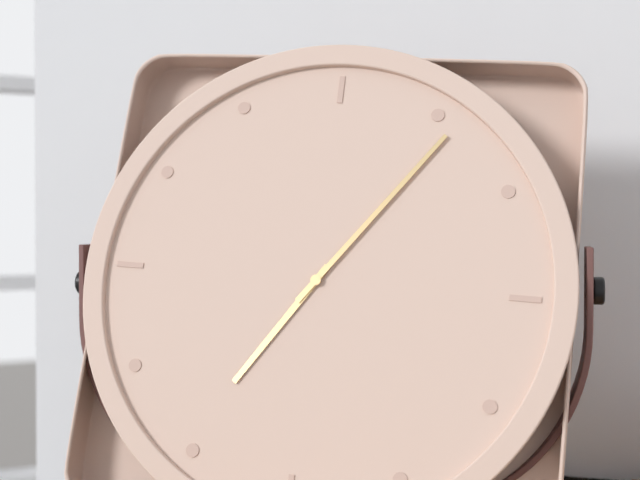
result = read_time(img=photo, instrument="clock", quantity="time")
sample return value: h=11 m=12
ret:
h=7 m=6
